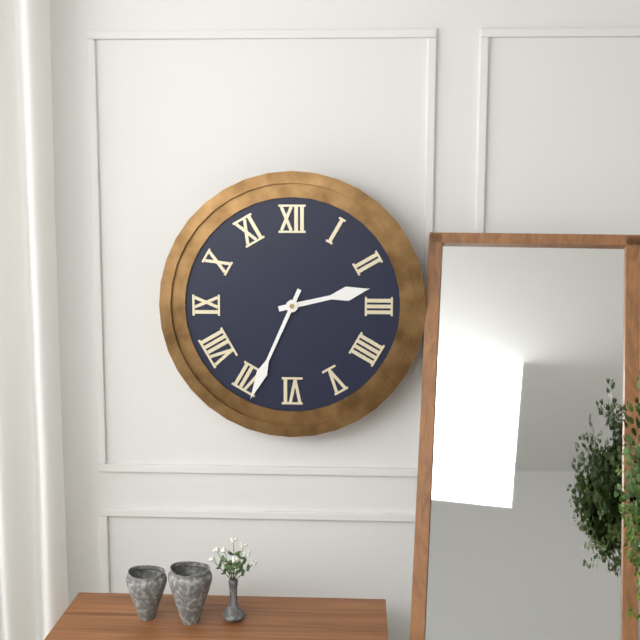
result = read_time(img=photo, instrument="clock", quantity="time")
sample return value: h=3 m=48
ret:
h=2 m=34
